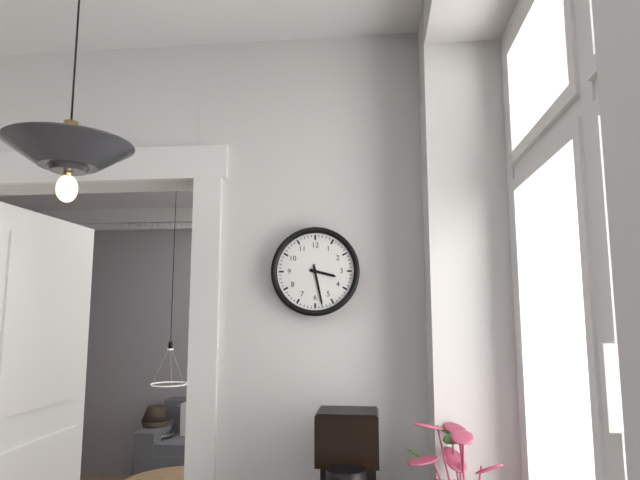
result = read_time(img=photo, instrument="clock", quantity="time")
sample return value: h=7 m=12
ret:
h=3 m=28
